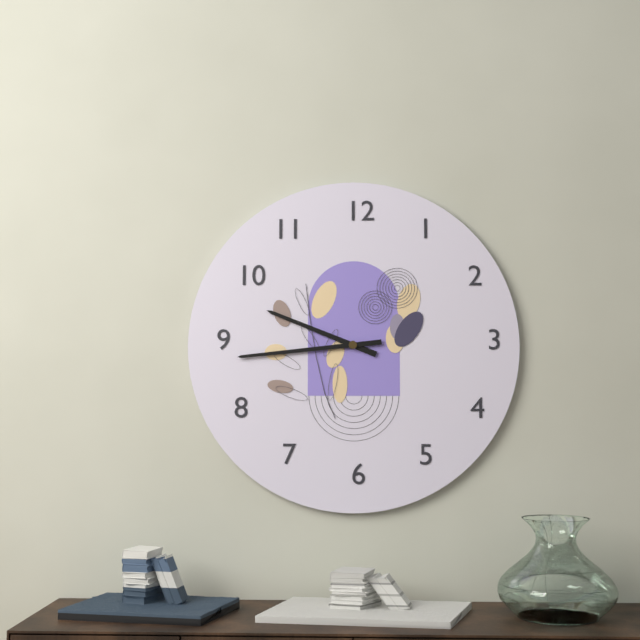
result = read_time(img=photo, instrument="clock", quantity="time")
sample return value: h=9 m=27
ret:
h=9 m=44
